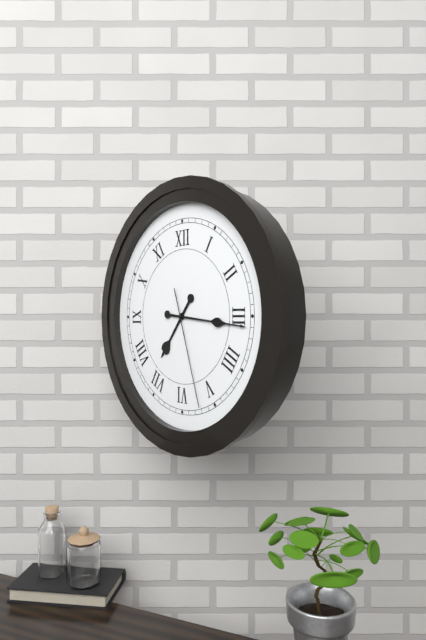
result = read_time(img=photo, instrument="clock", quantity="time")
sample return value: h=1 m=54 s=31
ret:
h=7 m=16 s=27
